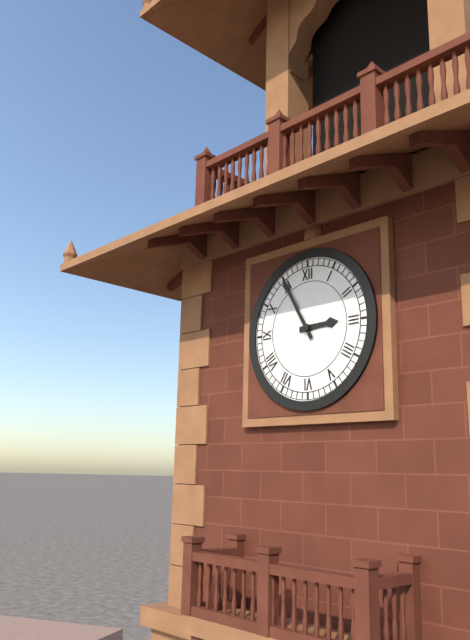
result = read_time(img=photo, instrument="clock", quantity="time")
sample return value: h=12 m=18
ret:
h=2 m=55
